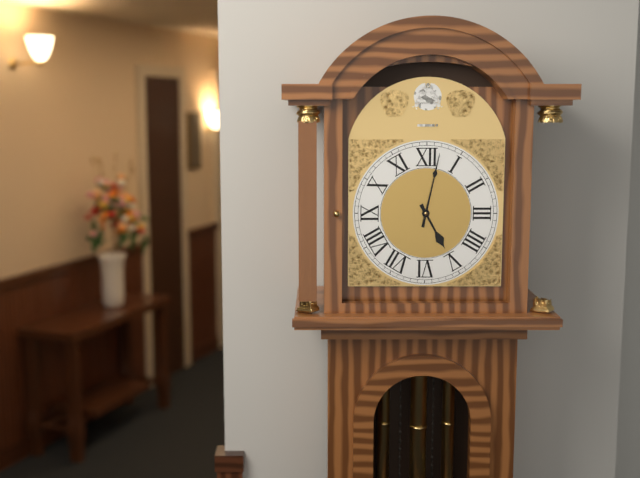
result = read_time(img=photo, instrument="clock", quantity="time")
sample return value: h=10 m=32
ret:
h=5 m=2
